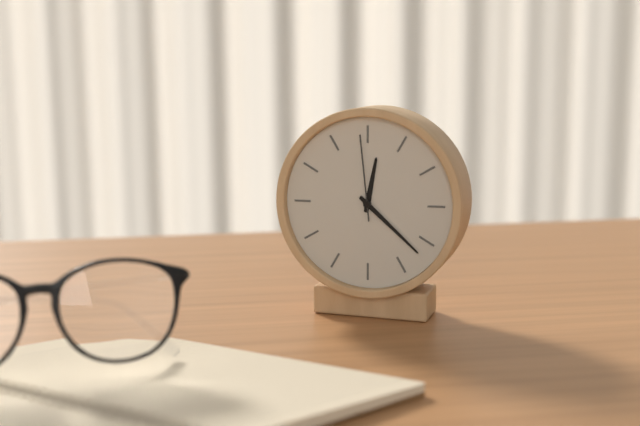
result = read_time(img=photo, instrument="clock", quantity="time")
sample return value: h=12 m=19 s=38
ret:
h=12 m=22 s=59
